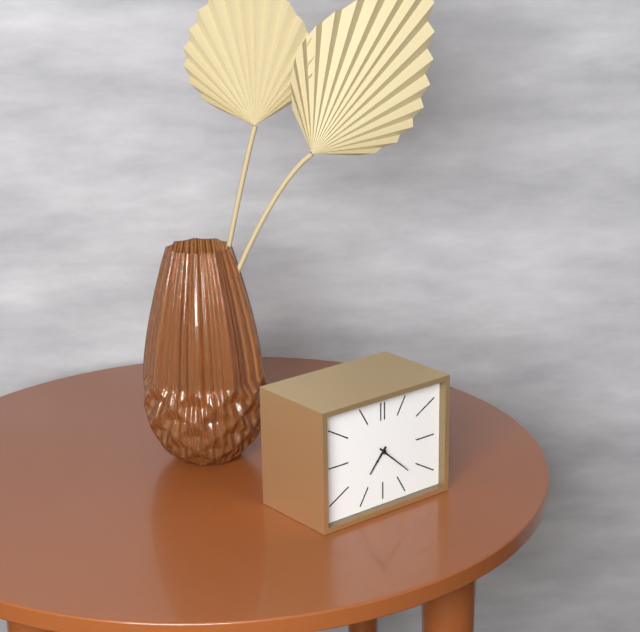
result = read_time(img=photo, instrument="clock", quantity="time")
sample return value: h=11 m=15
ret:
h=7 m=22
